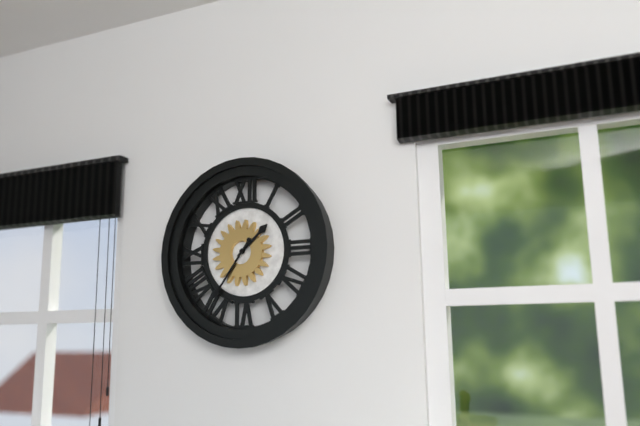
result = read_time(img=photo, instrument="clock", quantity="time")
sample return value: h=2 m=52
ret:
h=1 m=36
